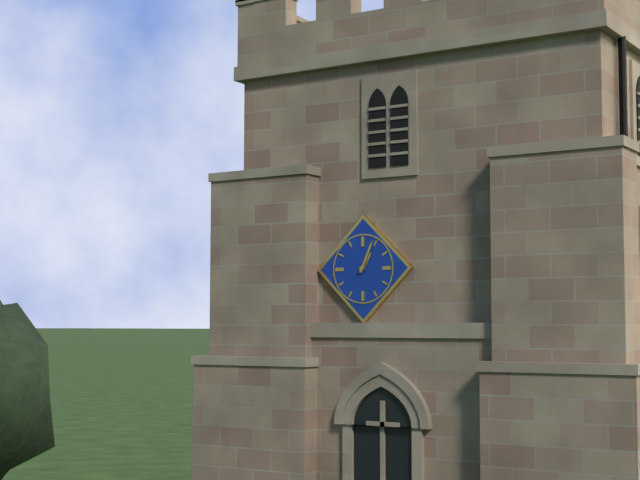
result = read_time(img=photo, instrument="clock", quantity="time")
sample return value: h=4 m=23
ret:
h=1 m=4
